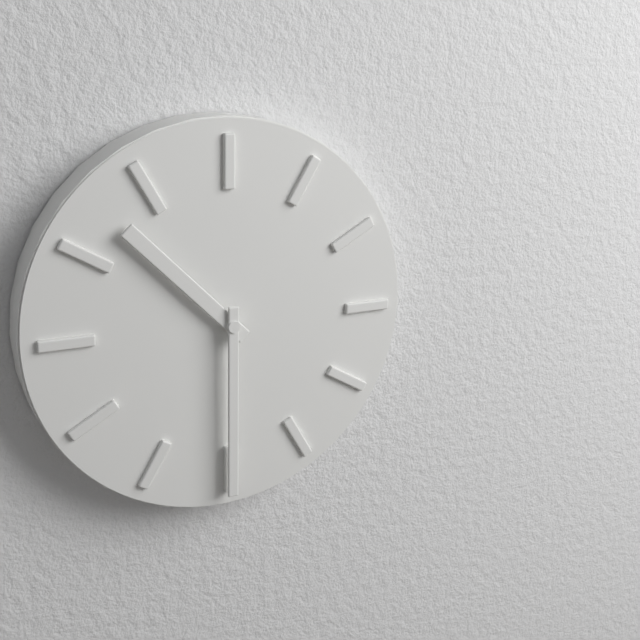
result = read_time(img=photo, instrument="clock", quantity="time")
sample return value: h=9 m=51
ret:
h=10 m=30
